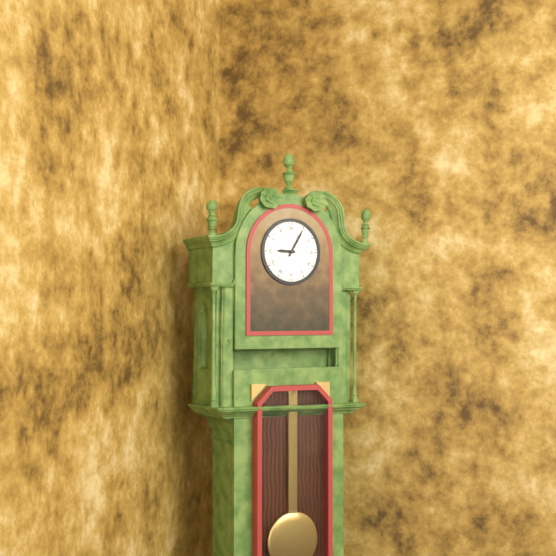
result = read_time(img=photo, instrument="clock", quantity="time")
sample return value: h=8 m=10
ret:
h=9 m=5
